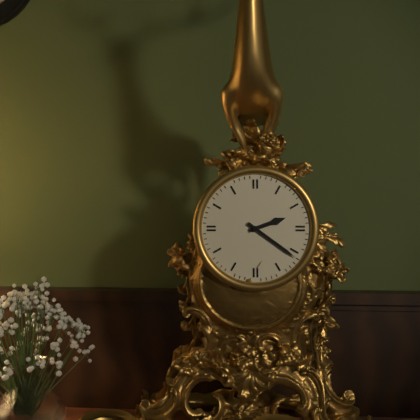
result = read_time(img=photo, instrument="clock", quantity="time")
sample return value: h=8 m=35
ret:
h=2 m=21
